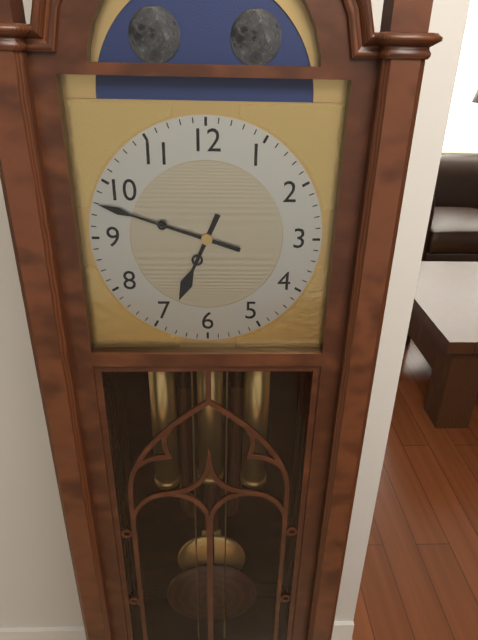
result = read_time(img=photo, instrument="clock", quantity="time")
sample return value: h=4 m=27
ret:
h=6 m=48
